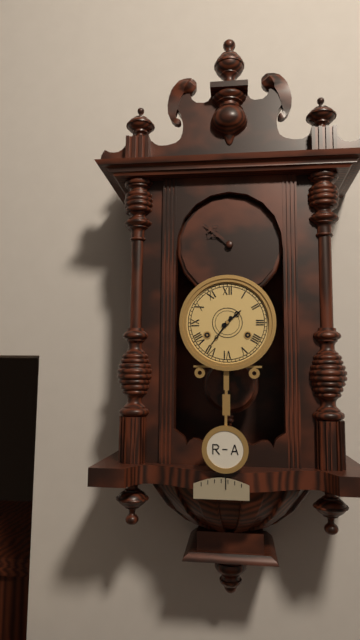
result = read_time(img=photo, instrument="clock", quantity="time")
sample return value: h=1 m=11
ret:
h=1 m=36
